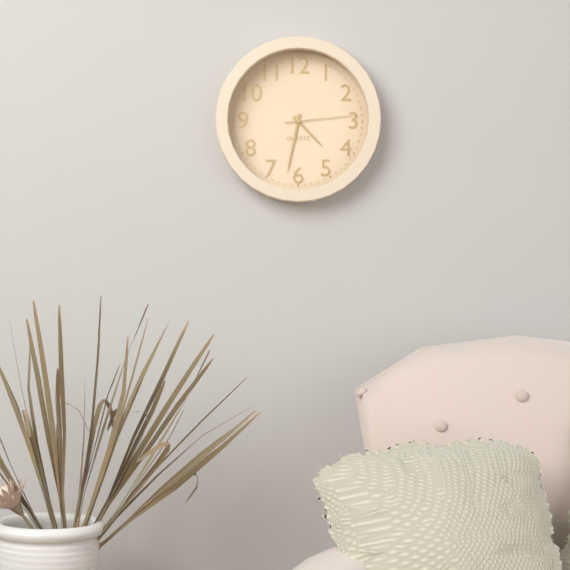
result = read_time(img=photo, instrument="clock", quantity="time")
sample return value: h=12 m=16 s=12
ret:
h=4 m=32 s=14
